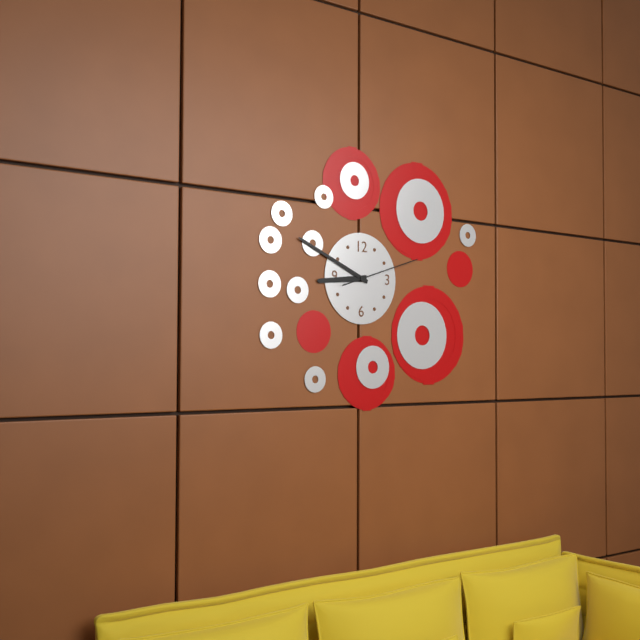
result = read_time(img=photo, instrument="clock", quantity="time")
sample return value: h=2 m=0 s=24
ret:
h=8 m=49 s=12
